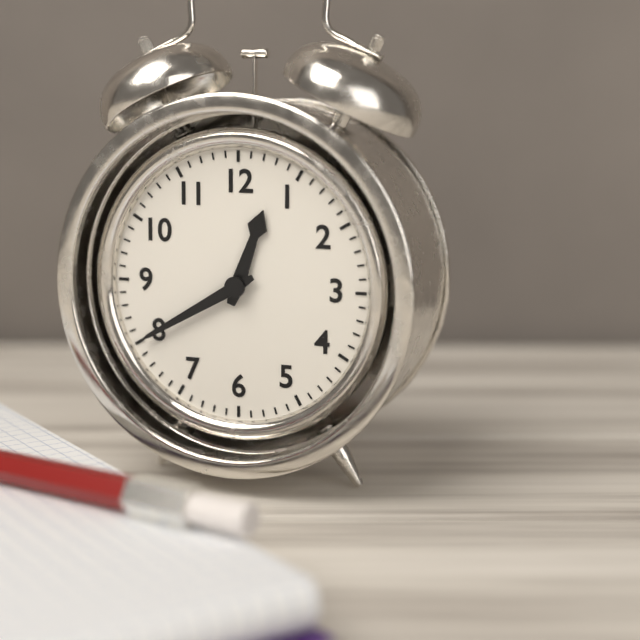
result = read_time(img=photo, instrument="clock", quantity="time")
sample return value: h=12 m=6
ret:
h=12 m=40
